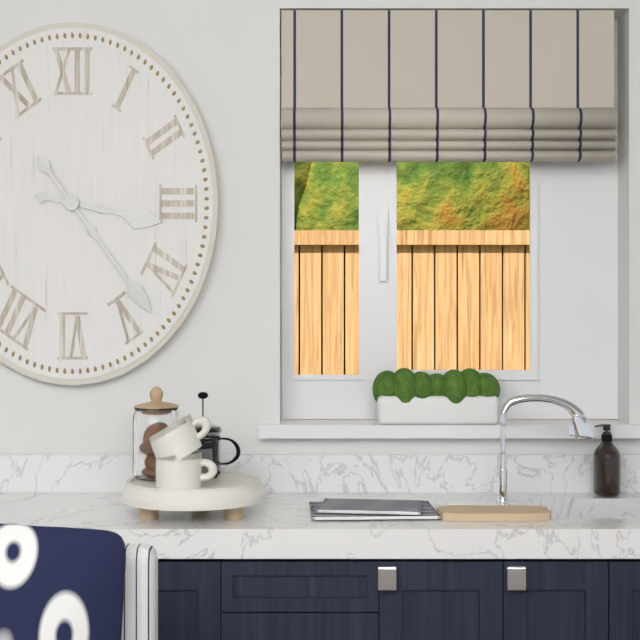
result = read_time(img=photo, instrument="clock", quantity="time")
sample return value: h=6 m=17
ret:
h=3 m=24
